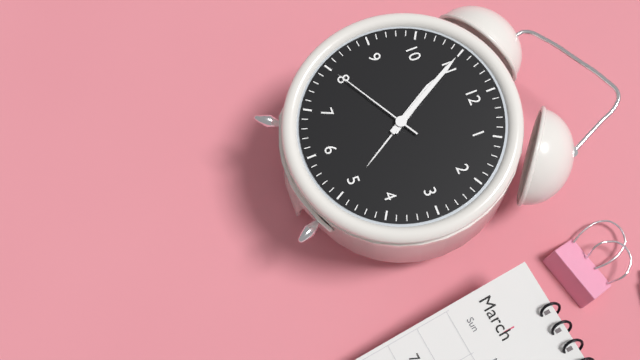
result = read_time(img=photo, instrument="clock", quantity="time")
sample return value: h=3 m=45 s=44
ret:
h=10 m=55 s=40
